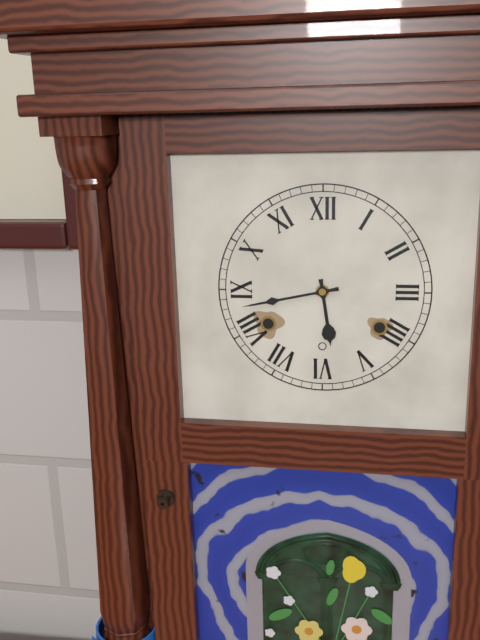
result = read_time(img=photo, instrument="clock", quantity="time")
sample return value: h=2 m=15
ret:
h=5 m=43
